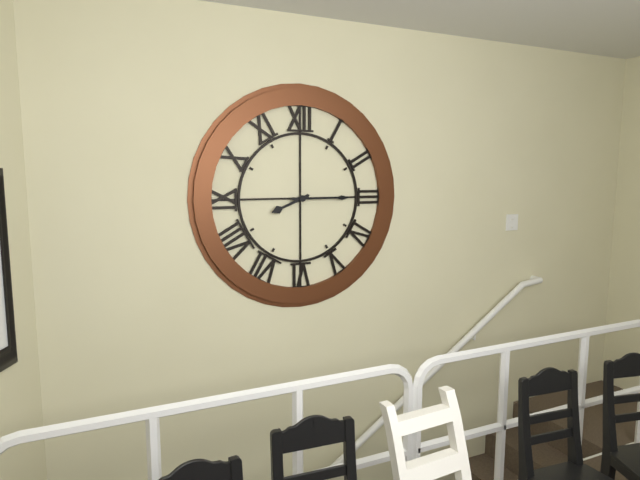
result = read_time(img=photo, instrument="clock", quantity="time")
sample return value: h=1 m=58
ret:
h=8 m=15
